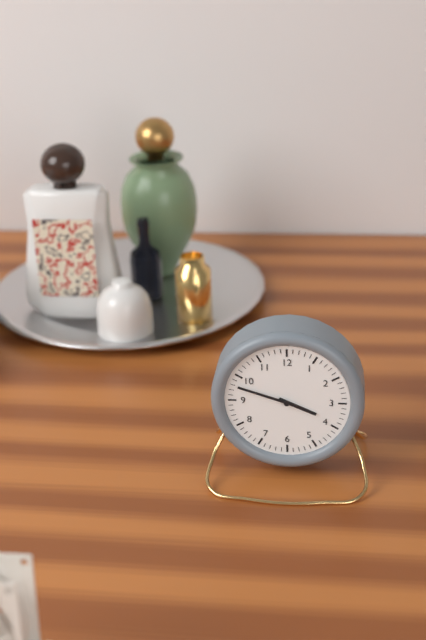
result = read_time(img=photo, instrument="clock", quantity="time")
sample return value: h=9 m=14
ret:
h=3 m=48
